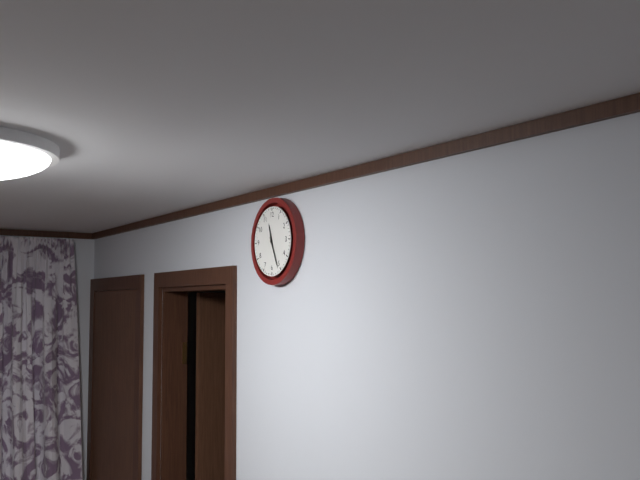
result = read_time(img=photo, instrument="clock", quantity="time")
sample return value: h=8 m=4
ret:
h=11 m=26
